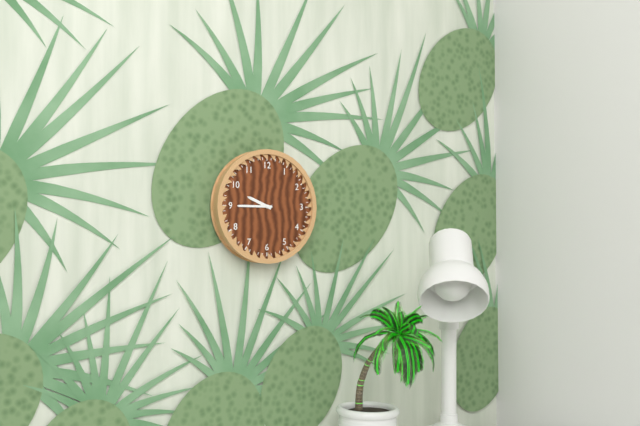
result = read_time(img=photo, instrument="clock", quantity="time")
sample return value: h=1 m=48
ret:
h=9 m=45
